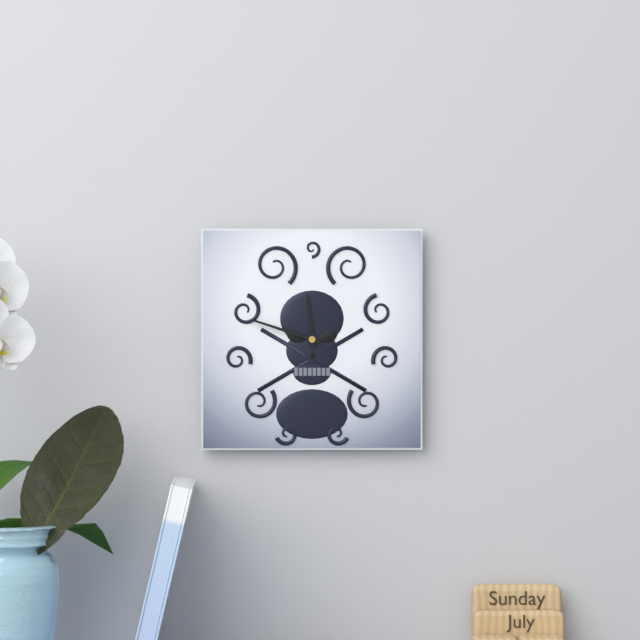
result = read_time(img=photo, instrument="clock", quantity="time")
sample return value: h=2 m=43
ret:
h=11 m=48
